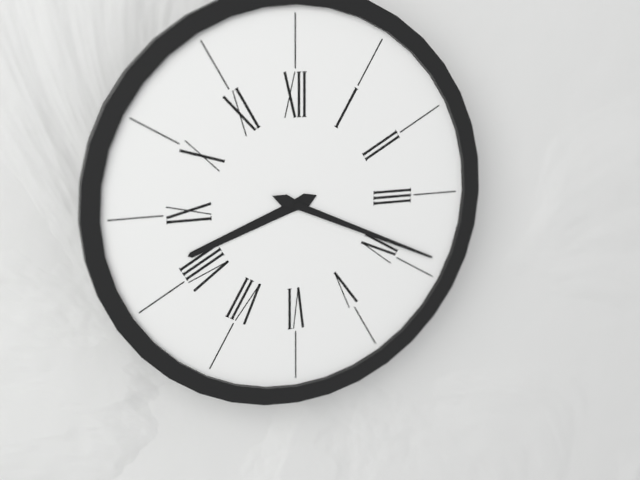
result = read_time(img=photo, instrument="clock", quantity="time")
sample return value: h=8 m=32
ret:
h=8 m=19
